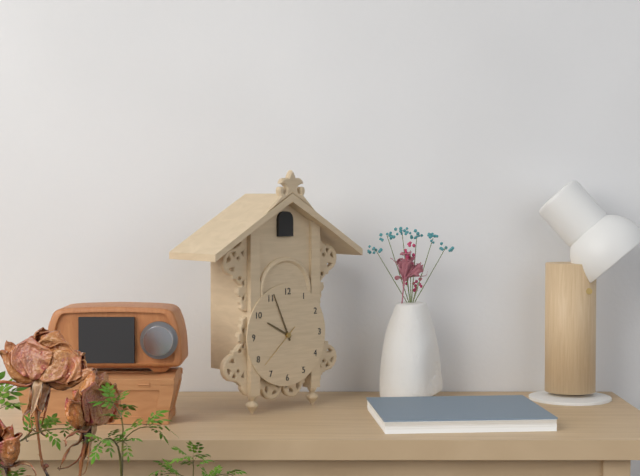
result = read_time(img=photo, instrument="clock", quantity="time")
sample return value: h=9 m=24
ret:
h=9 m=56
